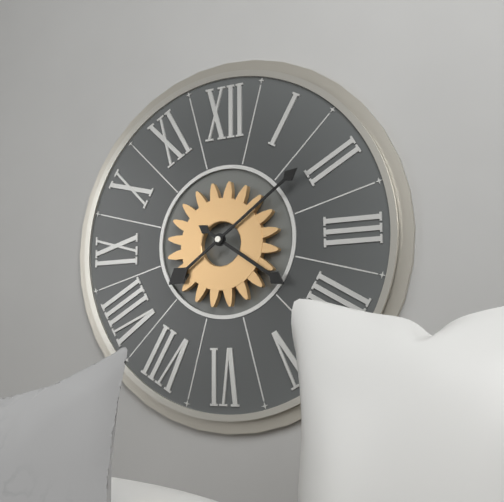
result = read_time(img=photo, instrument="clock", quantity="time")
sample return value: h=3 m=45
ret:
h=4 m=9
